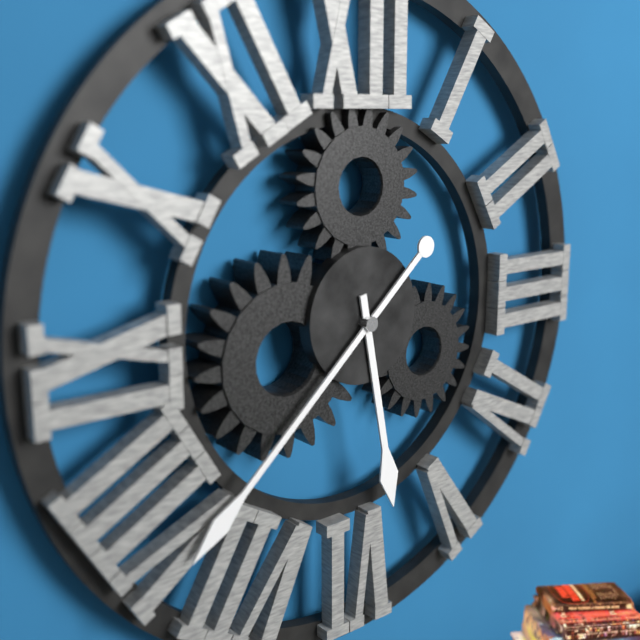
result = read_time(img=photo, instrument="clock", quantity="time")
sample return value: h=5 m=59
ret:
h=5 m=38
